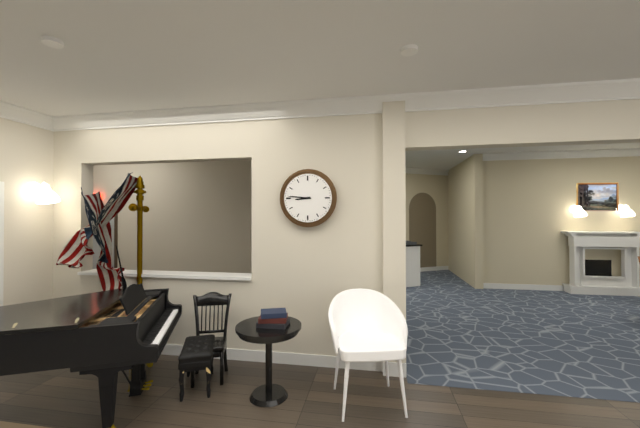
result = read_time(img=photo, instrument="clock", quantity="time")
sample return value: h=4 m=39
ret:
h=8 m=46
